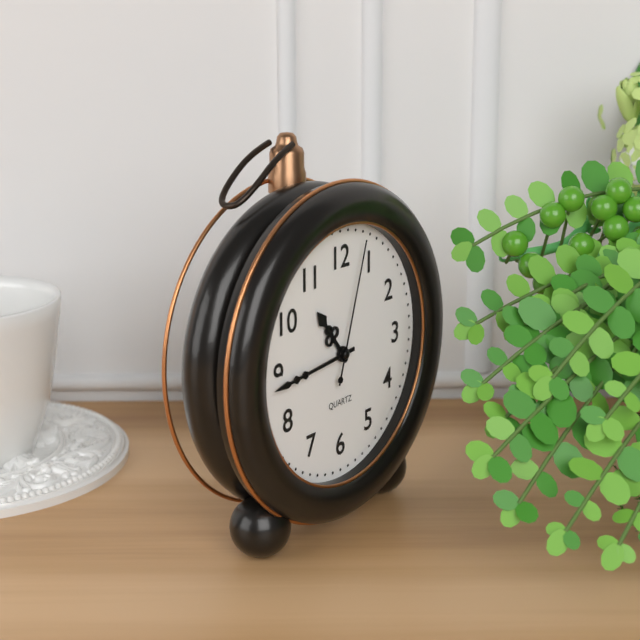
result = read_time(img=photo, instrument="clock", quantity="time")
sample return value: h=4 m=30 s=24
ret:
h=10 m=44 s=3
